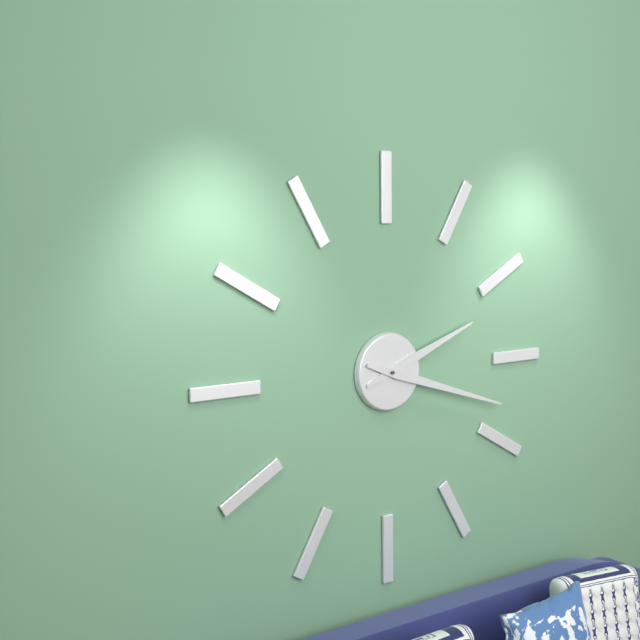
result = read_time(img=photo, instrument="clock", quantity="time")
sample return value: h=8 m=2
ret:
h=2 m=18
